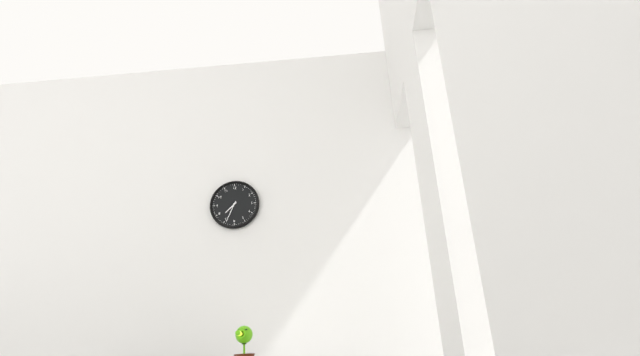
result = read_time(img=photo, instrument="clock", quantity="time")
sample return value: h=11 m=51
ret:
h=7 m=34
